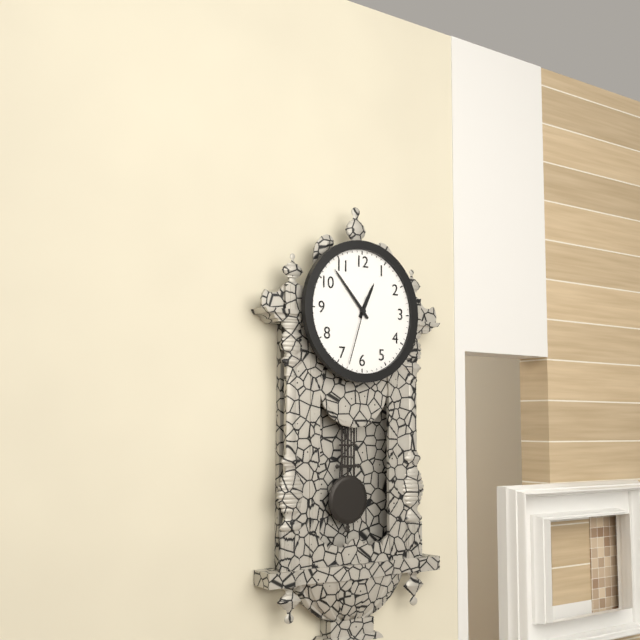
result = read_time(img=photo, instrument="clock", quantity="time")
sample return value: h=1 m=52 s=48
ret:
h=12 m=53 s=33
